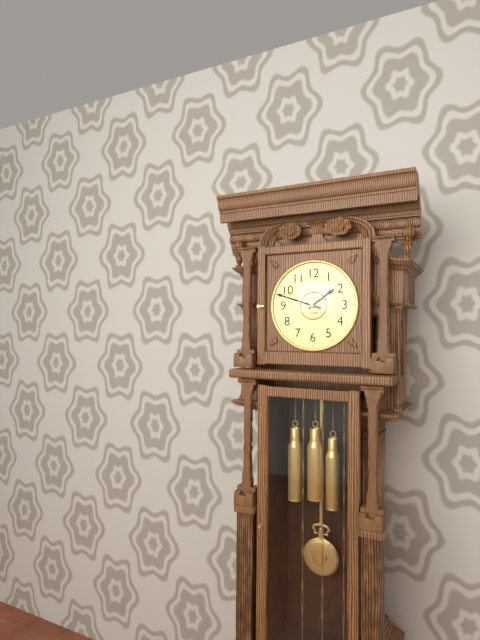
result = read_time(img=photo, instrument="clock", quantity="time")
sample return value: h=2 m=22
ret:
h=1 m=48
